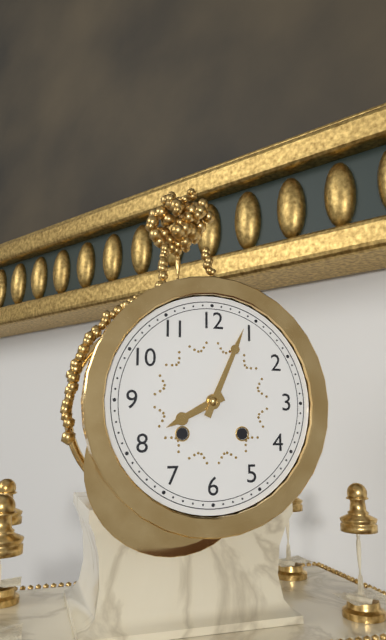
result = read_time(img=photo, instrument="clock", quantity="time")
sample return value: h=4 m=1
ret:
h=8 m=4
